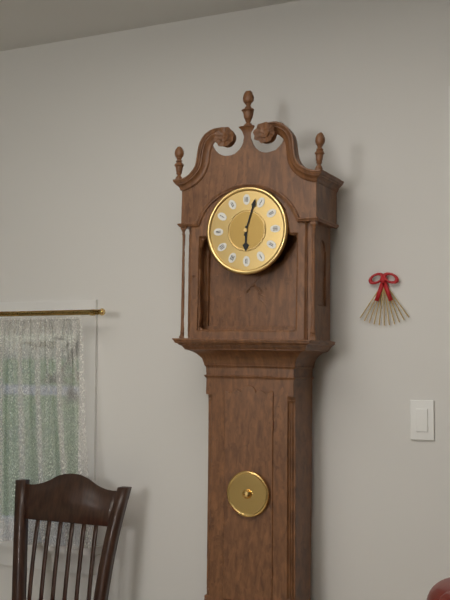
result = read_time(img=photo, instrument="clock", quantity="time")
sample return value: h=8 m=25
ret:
h=6 m=3
